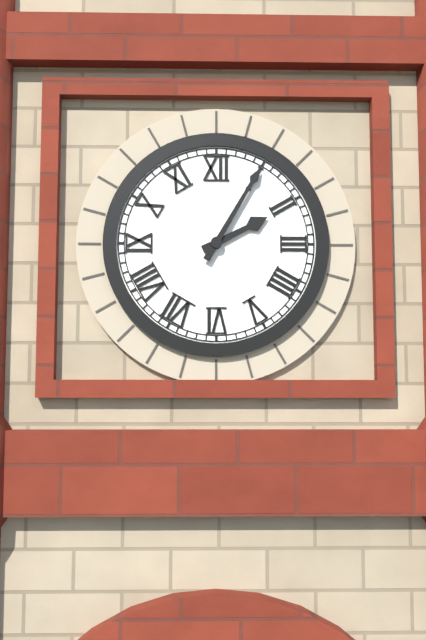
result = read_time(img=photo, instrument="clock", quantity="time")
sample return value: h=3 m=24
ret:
h=2 m=5
